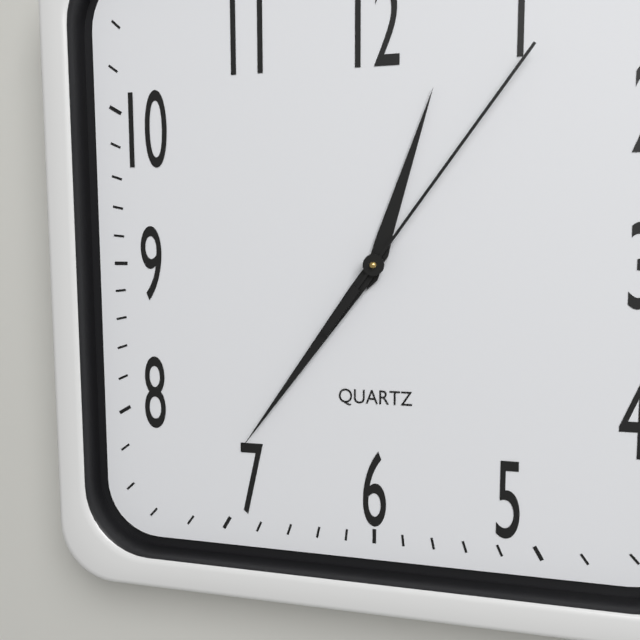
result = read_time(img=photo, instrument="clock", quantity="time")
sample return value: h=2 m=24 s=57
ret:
h=12 m=36 s=6
